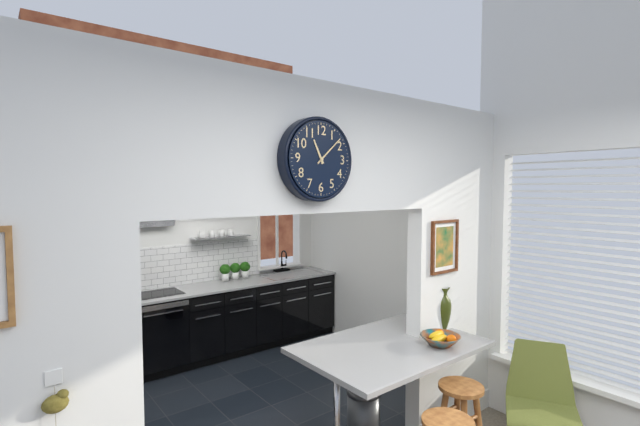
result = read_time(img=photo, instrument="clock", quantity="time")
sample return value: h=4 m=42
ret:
h=11 m=8
